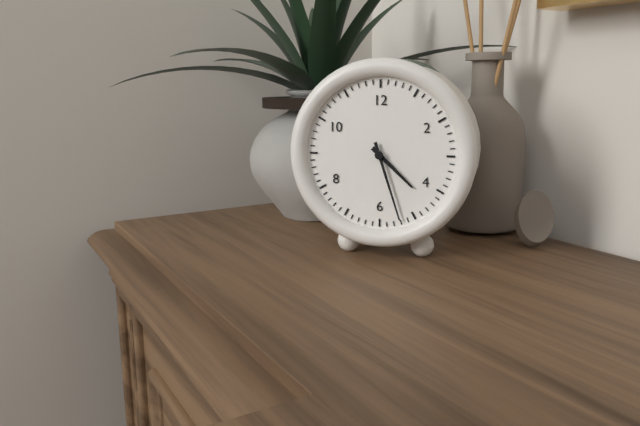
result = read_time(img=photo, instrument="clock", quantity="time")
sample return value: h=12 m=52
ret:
h=4 m=27
